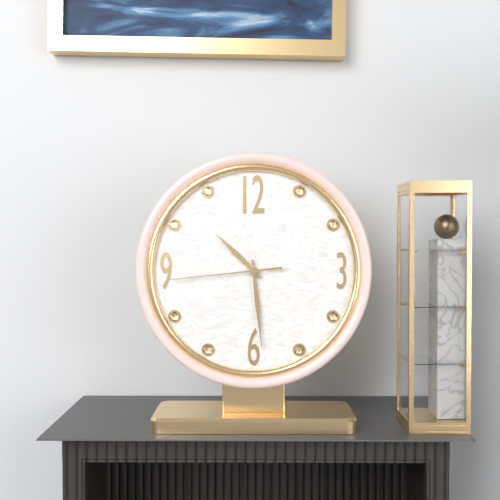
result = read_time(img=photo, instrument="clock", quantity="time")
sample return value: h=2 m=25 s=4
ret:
h=10 m=29 s=44
